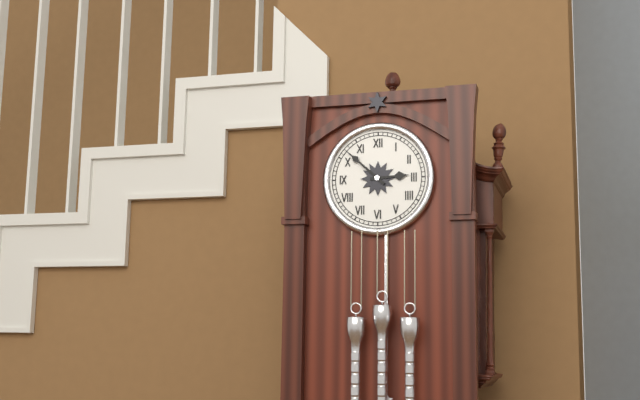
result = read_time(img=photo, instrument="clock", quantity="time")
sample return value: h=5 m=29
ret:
h=2 m=52
